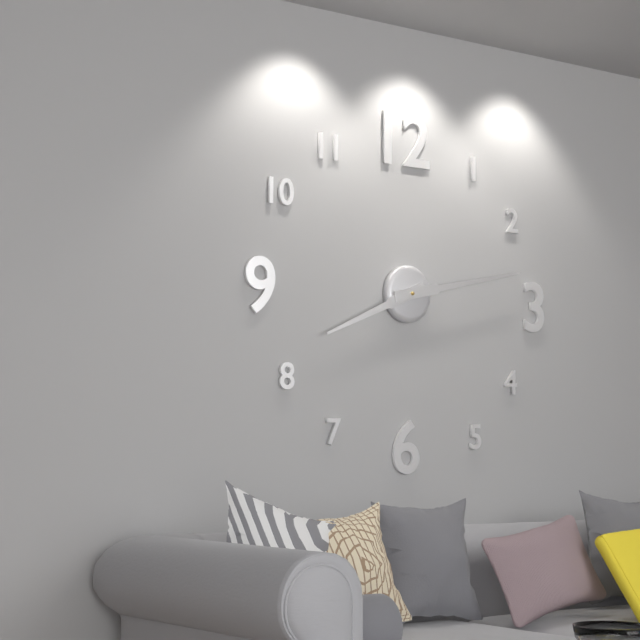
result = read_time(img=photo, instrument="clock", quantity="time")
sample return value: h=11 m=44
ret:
h=8 m=13
